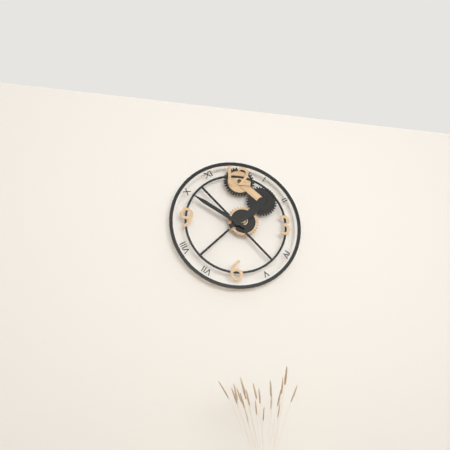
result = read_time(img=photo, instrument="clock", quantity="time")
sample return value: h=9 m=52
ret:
h=1 m=50
